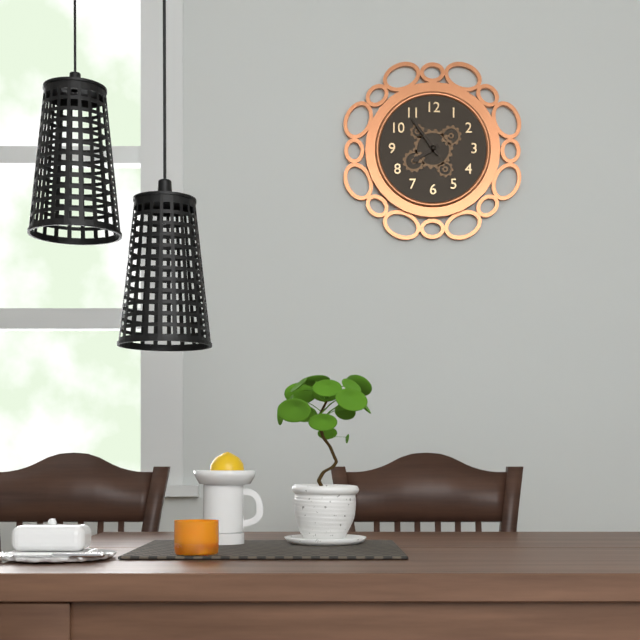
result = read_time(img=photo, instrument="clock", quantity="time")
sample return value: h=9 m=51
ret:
h=7 m=54
